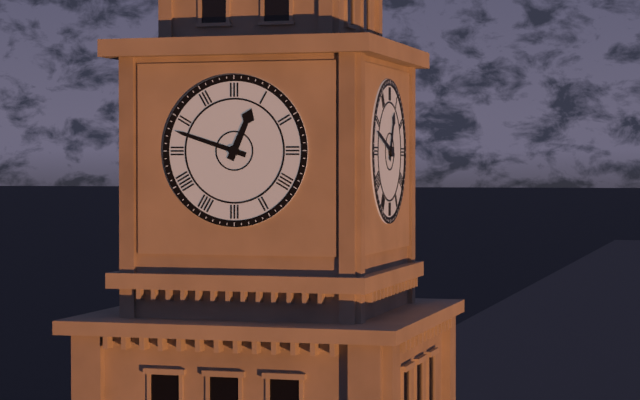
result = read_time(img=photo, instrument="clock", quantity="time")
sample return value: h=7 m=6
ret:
h=12 m=48
